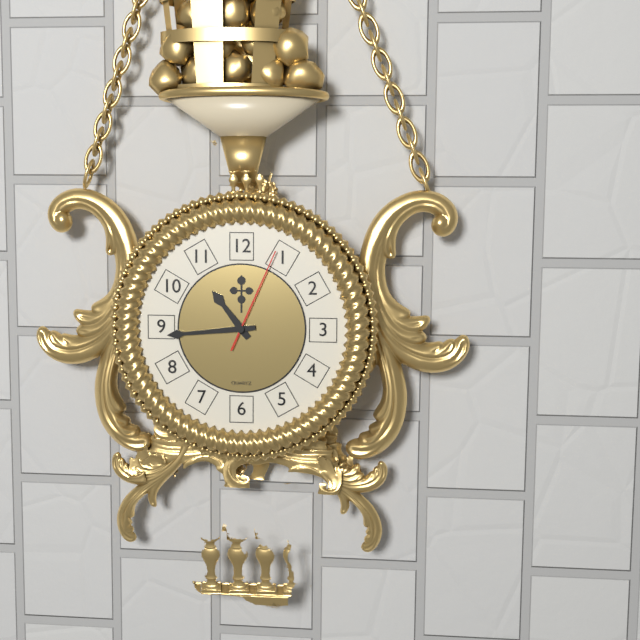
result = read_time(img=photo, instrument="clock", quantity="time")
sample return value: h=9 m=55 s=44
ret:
h=10 m=44 s=4
